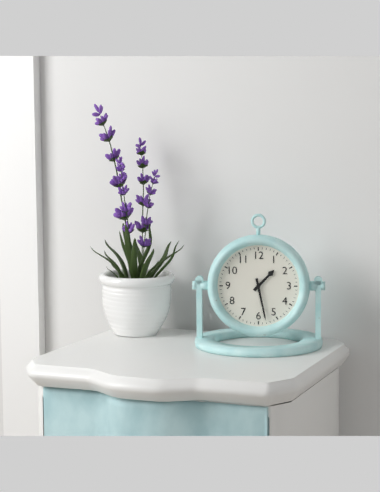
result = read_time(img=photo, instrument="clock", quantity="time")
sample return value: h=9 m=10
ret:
h=1 m=28
